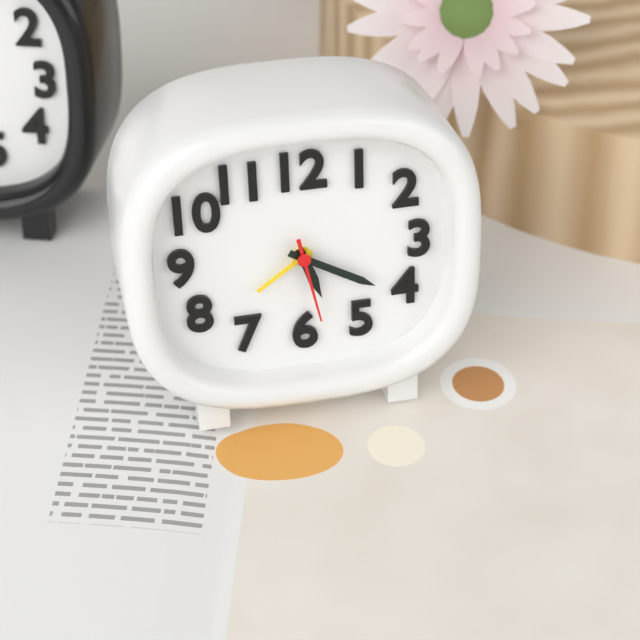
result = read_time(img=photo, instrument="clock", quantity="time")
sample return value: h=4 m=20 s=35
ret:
h=5 m=20 s=28
